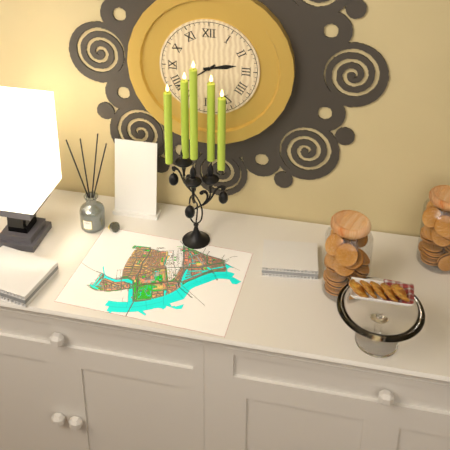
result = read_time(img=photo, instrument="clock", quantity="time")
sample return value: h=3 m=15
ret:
h=2 m=39
